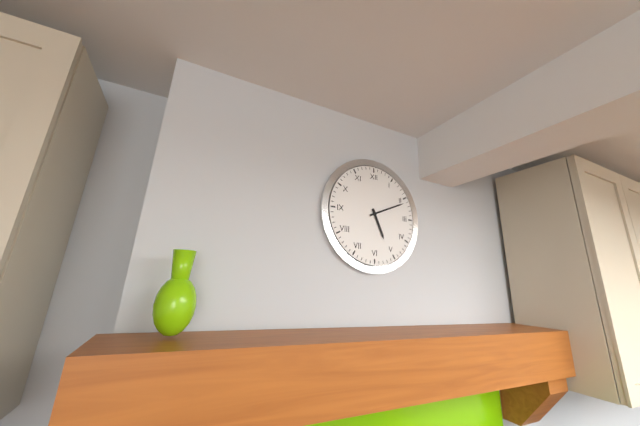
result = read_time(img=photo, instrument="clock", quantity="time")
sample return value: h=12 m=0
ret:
h=5 m=11
